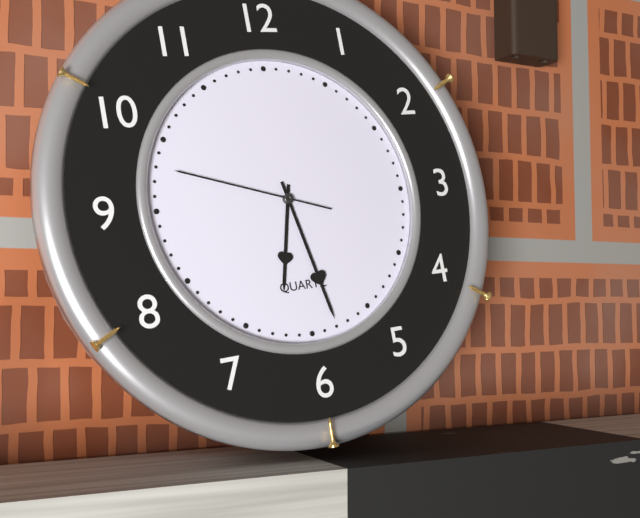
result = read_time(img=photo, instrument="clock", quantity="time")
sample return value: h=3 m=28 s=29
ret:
h=6 m=28 s=48
